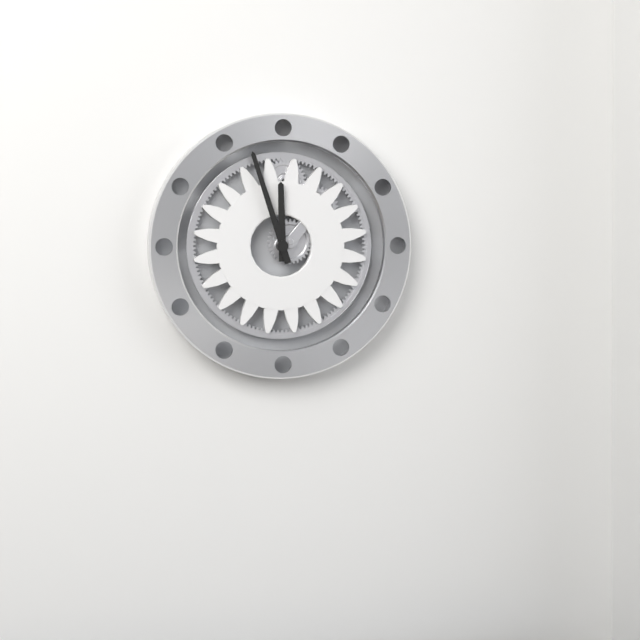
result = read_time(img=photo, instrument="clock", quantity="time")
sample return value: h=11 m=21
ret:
h=11 m=57
